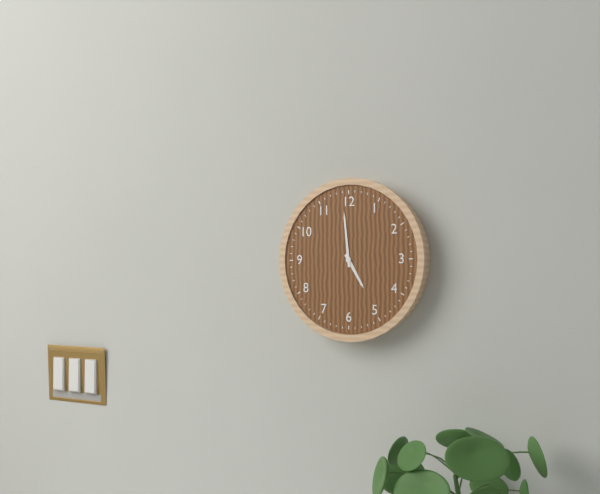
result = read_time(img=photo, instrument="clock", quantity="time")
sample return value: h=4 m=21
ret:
h=4 m=59
